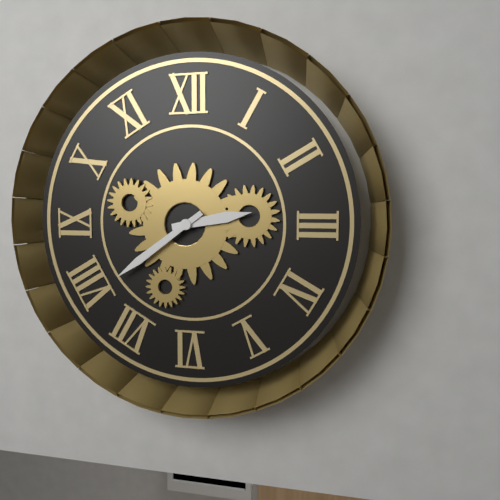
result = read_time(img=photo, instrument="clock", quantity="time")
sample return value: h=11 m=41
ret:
h=2 m=39
